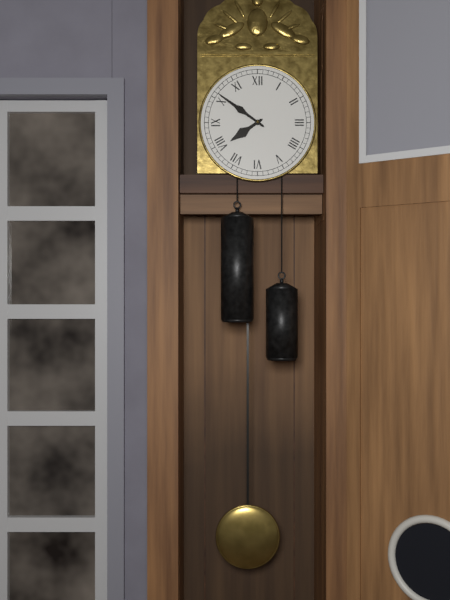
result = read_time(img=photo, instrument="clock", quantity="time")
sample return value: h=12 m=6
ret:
h=7 m=51
